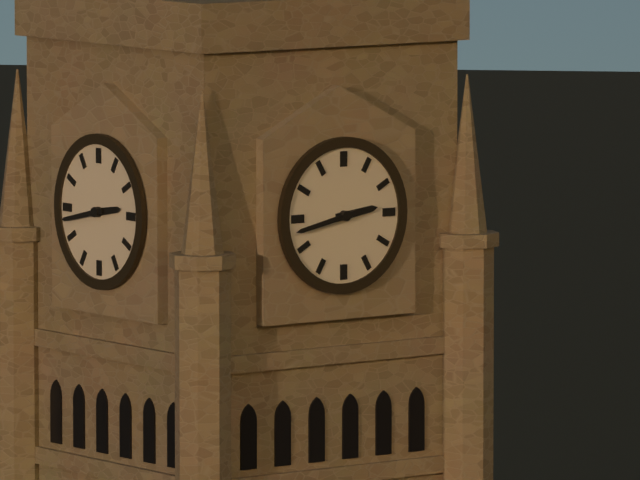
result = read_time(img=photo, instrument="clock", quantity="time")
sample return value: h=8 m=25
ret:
h=2 m=43
